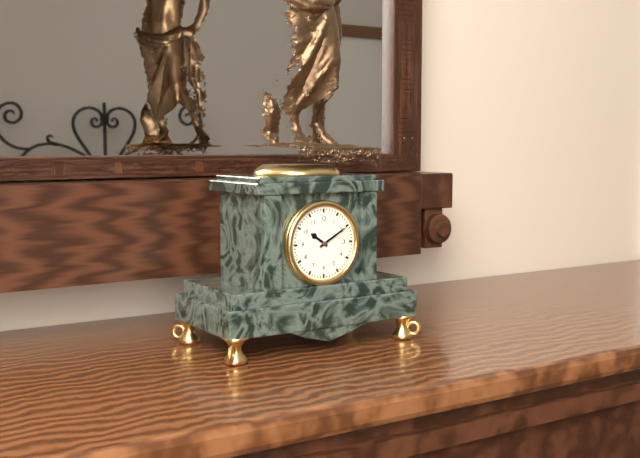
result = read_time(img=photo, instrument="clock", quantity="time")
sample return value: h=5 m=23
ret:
h=10 m=10
